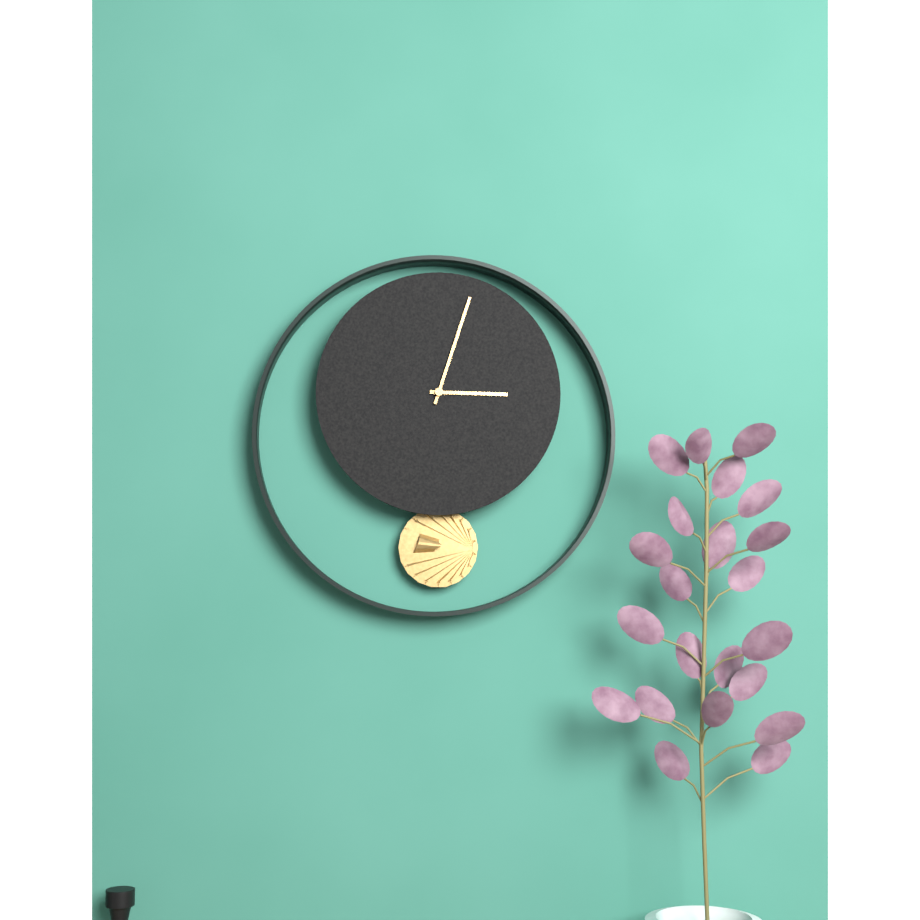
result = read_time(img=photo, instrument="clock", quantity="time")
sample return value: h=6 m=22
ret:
h=3 m=3
